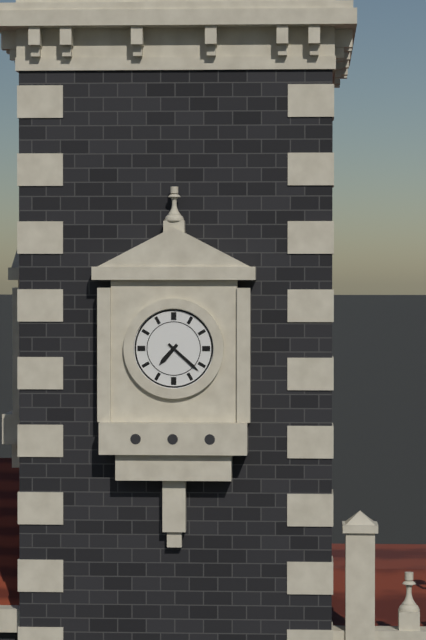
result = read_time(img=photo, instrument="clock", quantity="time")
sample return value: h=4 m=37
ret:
h=7 m=22
